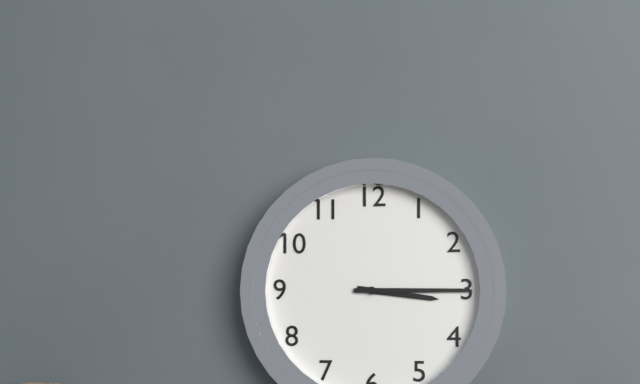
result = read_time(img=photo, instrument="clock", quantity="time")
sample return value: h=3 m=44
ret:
h=3 m=15
